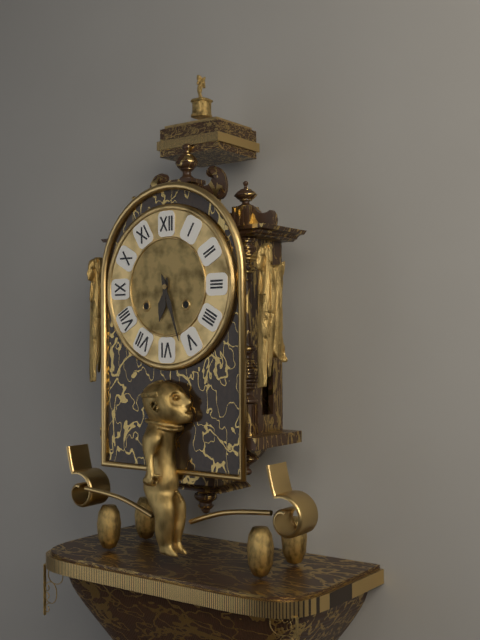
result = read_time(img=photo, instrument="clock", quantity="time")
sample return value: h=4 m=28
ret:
h=6 m=27
